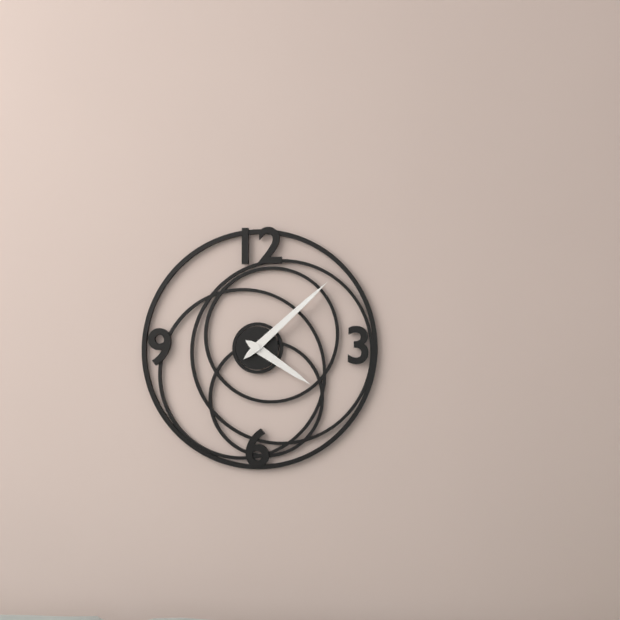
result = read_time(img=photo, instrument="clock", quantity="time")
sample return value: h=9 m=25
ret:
h=4 m=8
